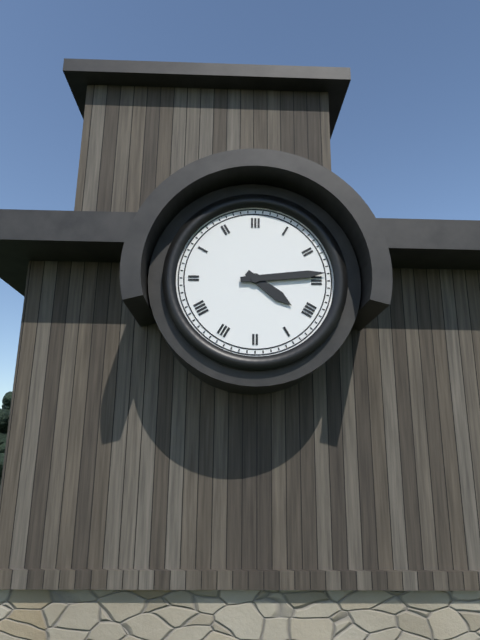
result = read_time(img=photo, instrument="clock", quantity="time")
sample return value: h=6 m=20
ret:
h=4 m=14
